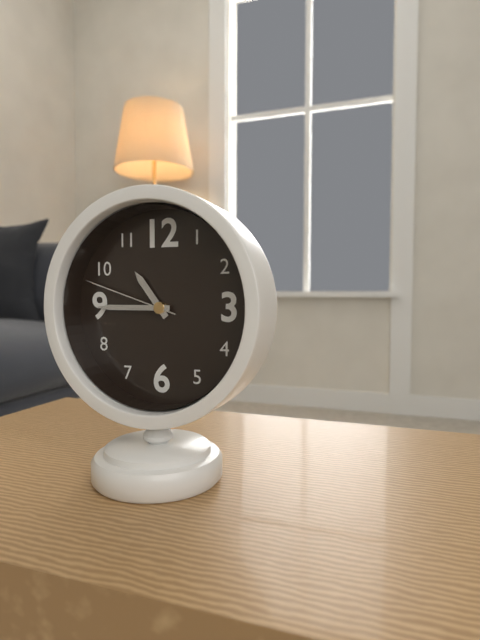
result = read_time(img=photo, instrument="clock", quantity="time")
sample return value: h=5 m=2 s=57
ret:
h=10 m=45 s=48
